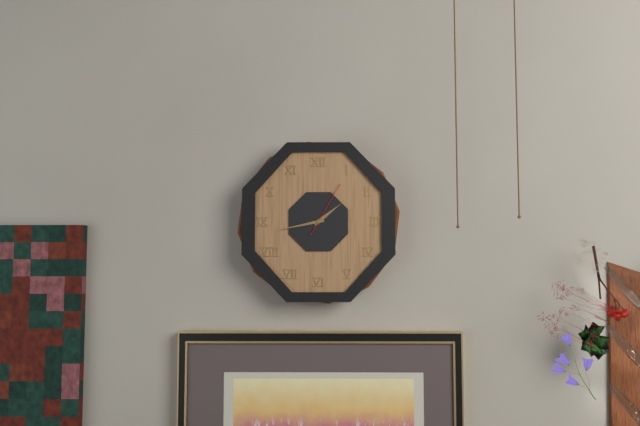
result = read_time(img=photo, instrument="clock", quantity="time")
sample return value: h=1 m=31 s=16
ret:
h=1 m=43 s=5
